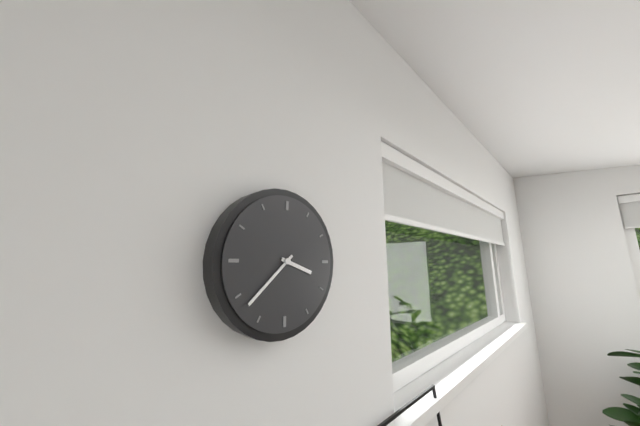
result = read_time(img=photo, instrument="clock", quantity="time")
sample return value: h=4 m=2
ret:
h=3 m=38
